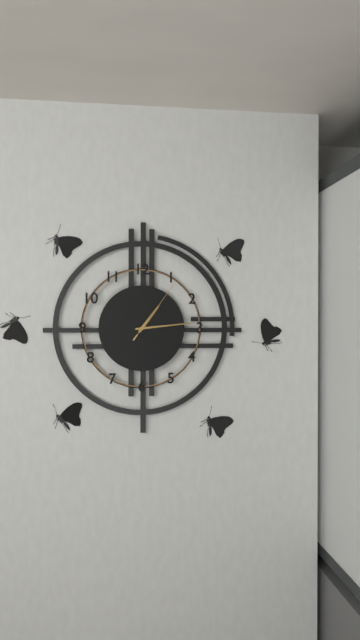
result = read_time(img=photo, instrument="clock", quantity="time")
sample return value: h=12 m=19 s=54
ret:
h=1 m=14 s=6
